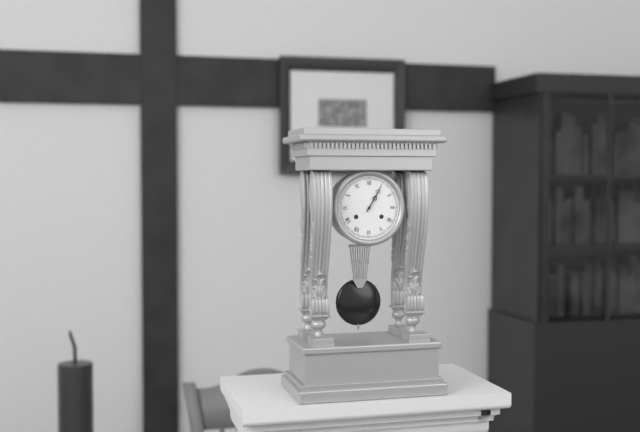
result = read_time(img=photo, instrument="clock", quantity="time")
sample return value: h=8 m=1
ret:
h=1 m=5
